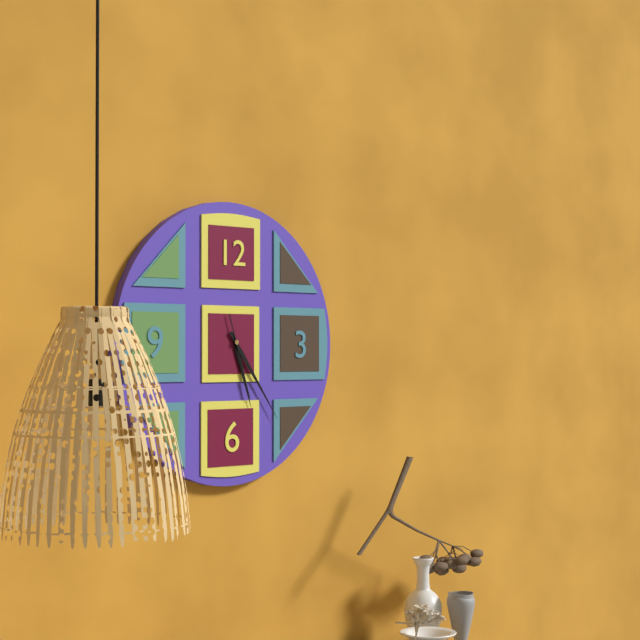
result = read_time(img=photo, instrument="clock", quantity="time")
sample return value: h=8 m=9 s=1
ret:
h=5 m=24 s=27
